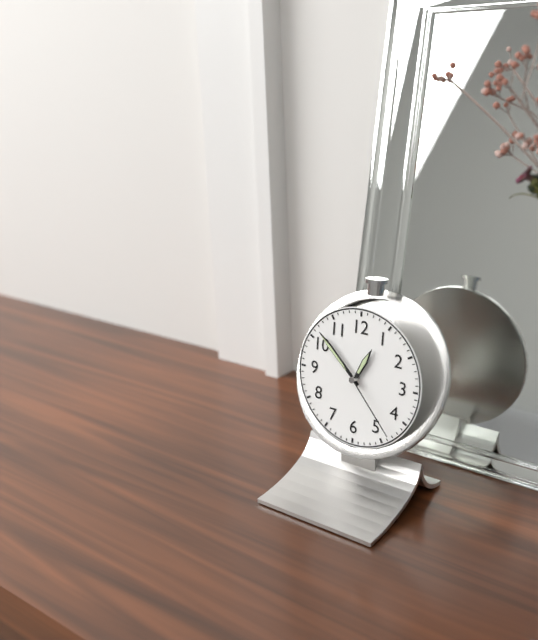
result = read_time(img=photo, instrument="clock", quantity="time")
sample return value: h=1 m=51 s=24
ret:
h=12 m=52 s=23
